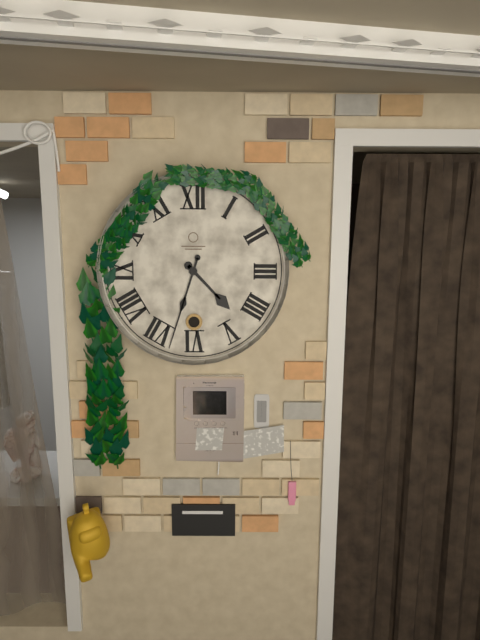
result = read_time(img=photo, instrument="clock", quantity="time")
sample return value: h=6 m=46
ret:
h=4 m=33
